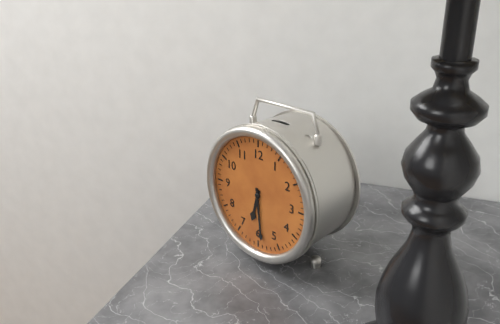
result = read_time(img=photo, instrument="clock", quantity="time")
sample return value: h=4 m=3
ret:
h=6 m=29
